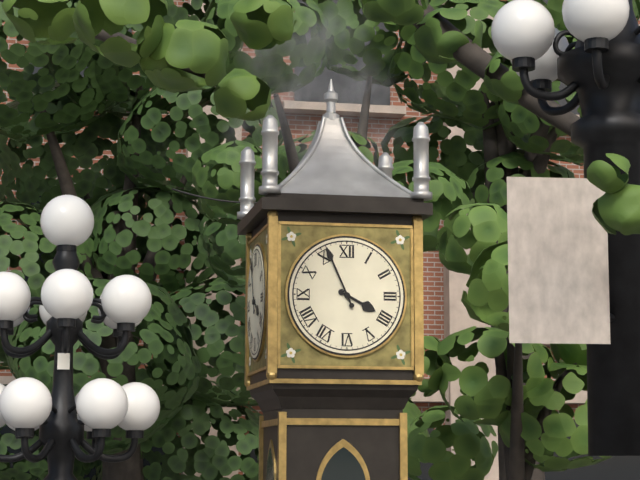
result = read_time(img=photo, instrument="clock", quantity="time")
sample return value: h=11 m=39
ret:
h=3 m=56
